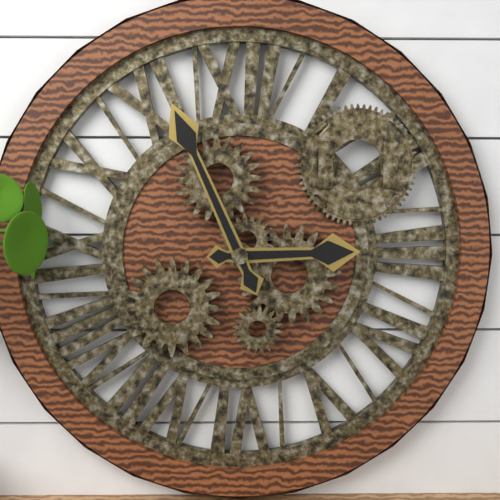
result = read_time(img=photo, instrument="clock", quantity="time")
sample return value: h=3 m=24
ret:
h=2 m=56
